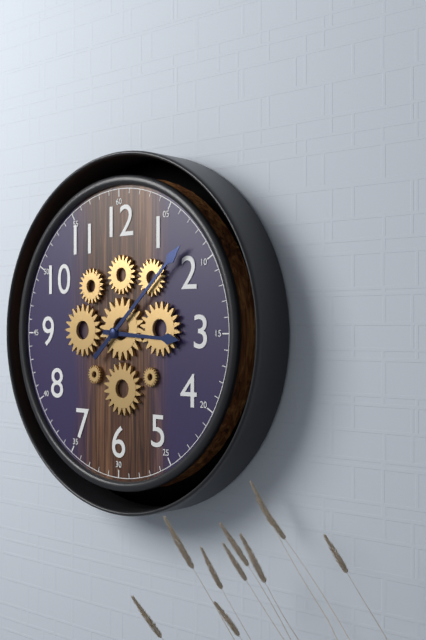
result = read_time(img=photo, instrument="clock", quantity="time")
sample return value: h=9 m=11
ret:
h=3 m=8
